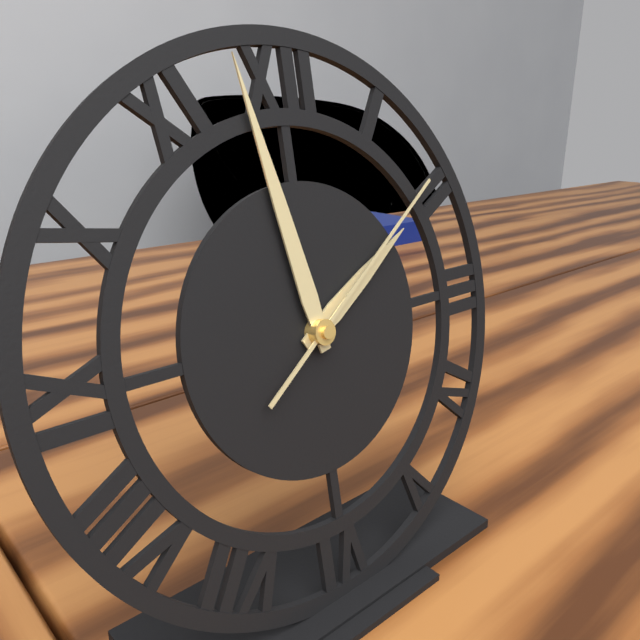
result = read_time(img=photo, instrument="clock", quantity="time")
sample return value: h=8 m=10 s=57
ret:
h=1 m=58 s=9
